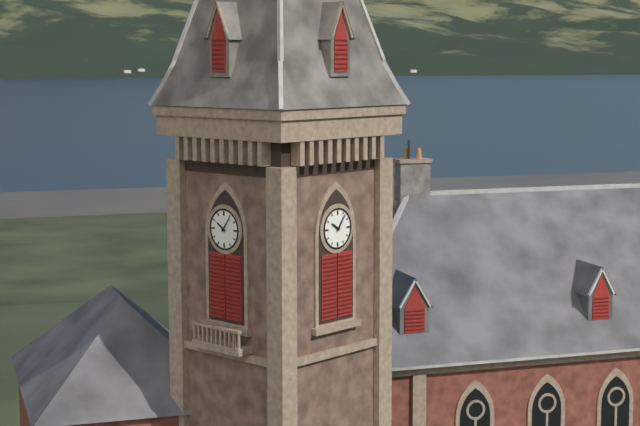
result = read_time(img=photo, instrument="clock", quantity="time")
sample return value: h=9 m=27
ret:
h=10 m=6
